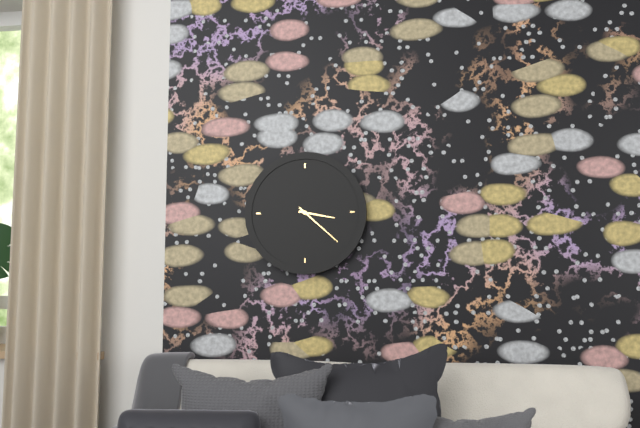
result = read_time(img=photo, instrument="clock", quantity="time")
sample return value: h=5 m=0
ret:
h=3 m=22
